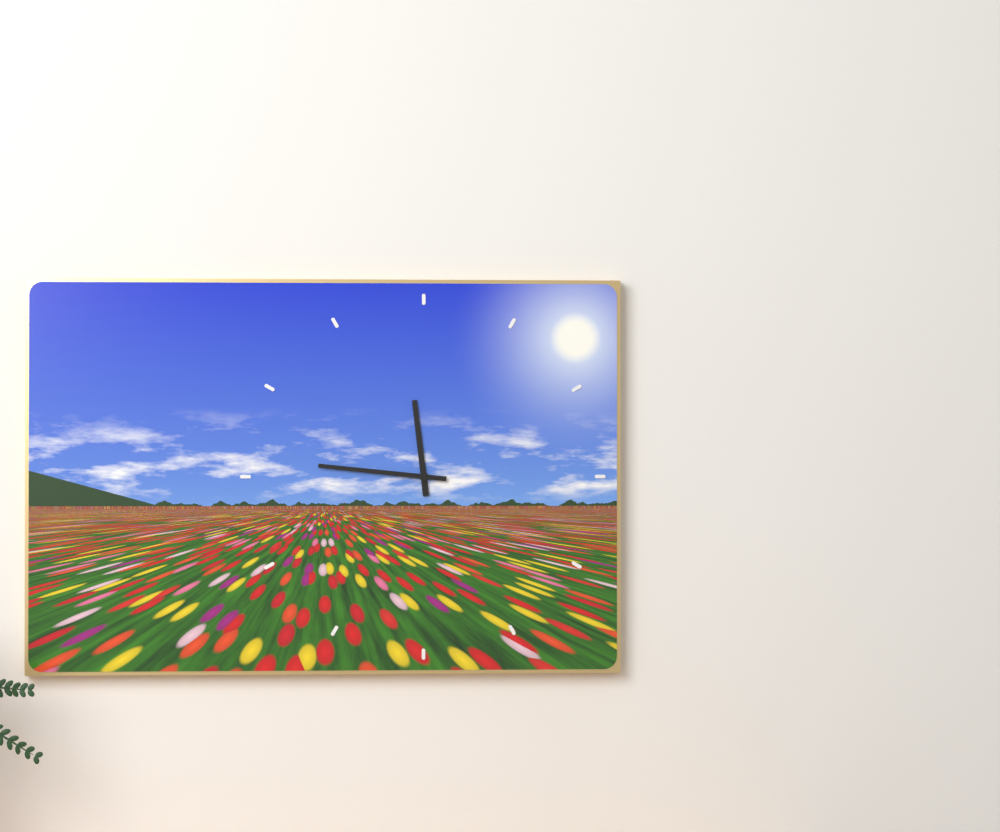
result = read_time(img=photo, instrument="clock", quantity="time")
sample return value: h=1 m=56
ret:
h=11 m=46
